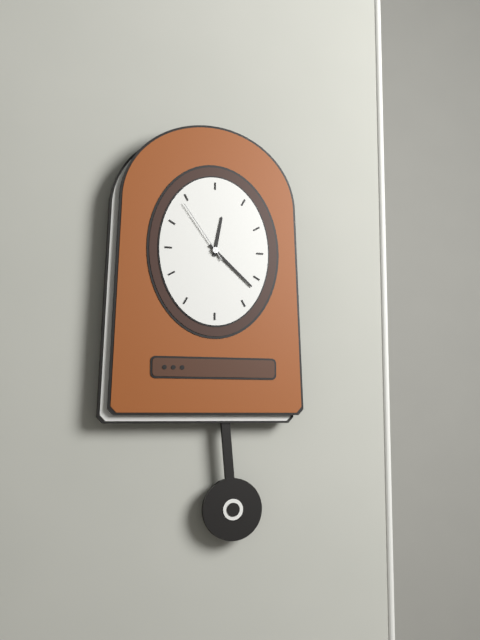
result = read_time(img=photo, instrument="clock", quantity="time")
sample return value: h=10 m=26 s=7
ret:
h=12 m=22 s=54
